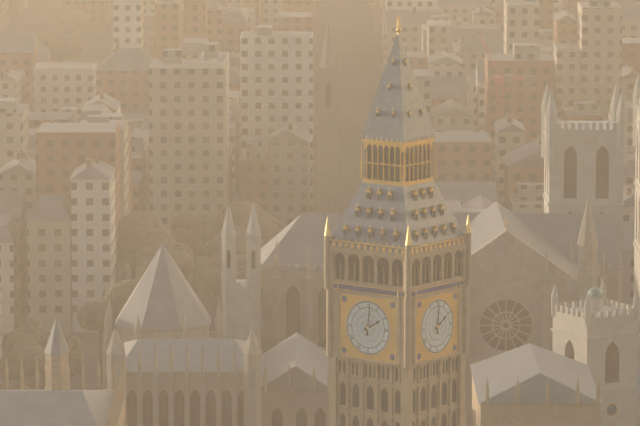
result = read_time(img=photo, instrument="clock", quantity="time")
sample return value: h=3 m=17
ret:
h=2 m=1
